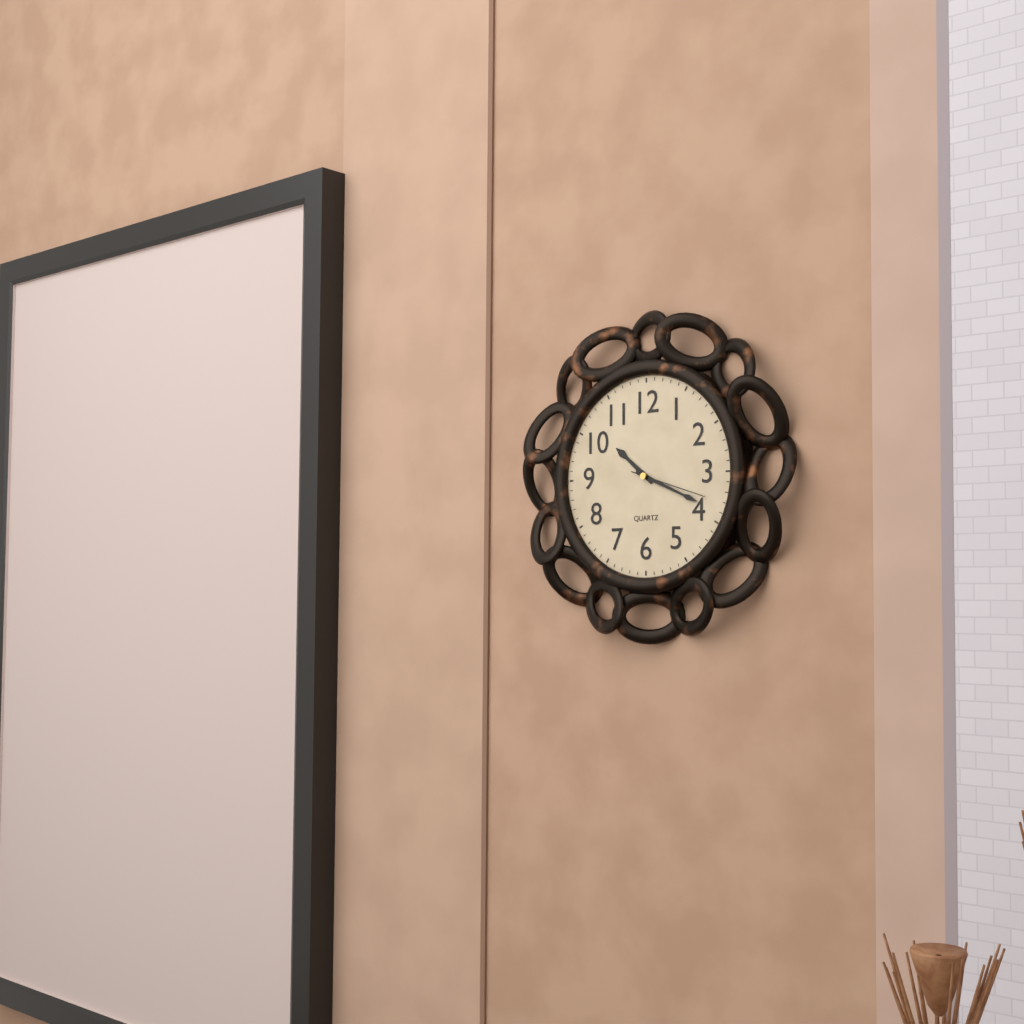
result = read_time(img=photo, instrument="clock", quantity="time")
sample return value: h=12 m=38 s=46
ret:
h=10 m=19 s=18
